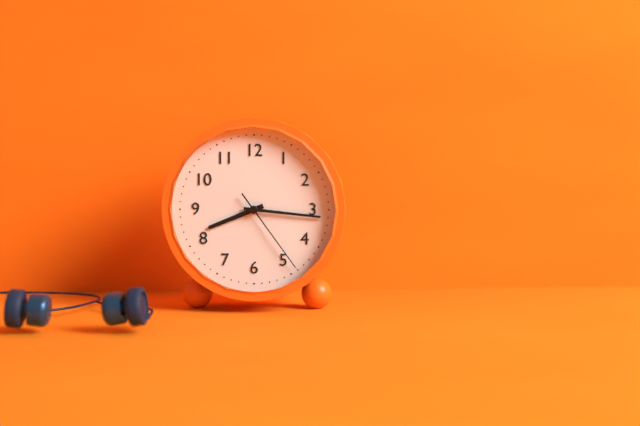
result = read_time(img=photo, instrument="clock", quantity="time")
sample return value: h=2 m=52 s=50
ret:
h=8 m=16 s=24
